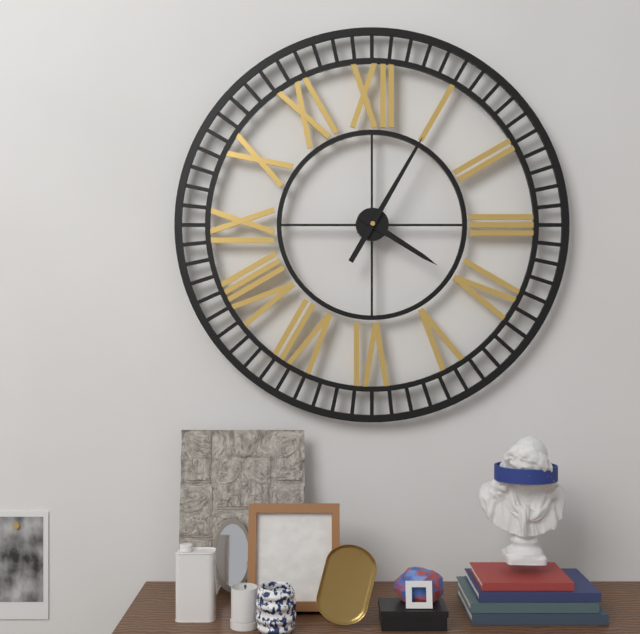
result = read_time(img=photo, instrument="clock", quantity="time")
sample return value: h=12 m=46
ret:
h=4 m=5
